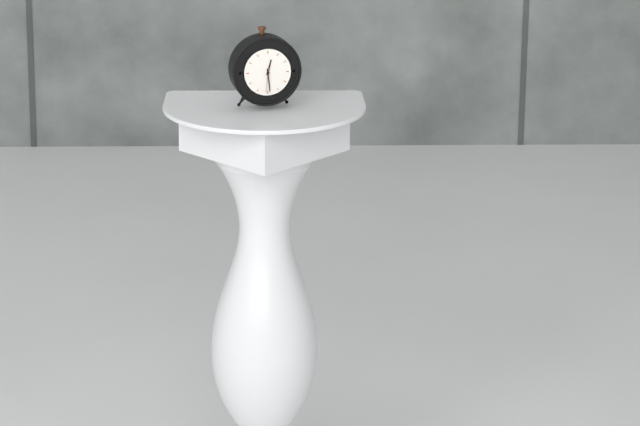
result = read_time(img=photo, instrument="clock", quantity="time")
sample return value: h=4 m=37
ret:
h=12 m=29
